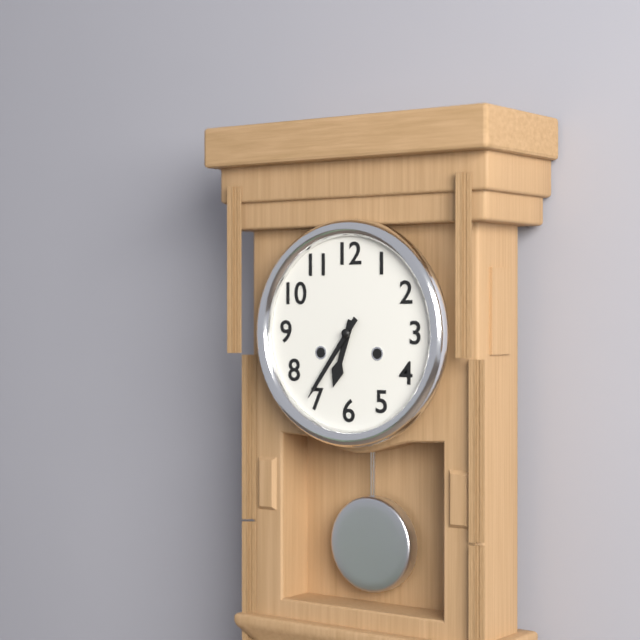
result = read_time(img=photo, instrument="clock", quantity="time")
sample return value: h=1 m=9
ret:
h=6 m=36
